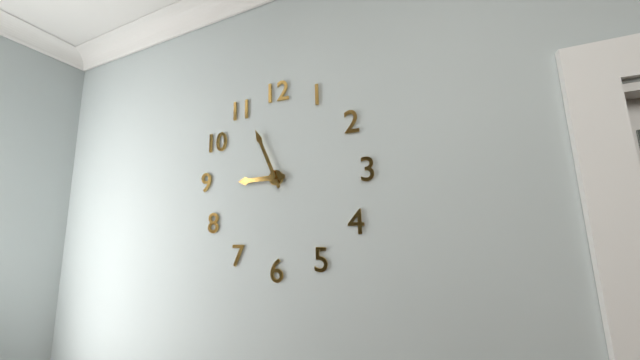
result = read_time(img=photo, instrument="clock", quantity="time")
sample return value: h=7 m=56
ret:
h=8 m=56
